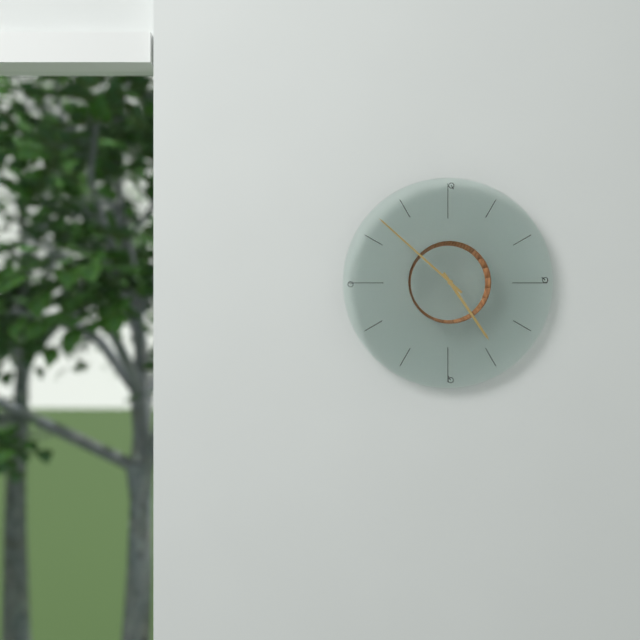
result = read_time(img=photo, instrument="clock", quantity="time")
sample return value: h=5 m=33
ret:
h=4 m=52
